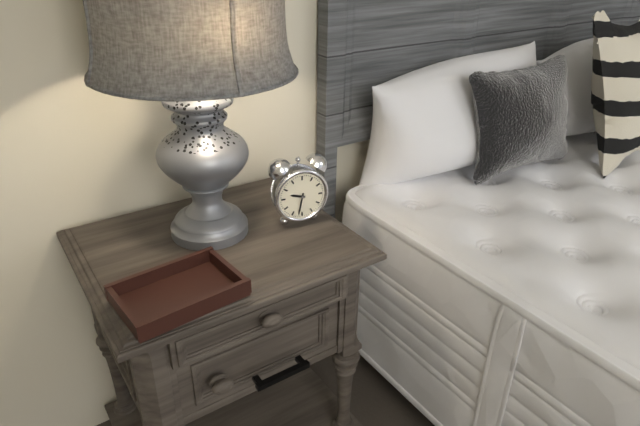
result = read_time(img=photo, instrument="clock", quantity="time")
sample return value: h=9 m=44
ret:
h=9 m=32
